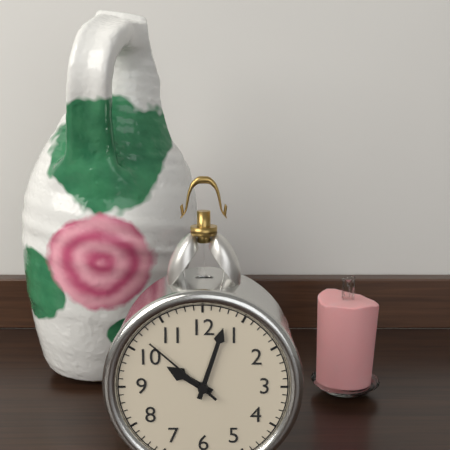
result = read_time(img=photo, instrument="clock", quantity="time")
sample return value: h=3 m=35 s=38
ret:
h=10 m=3 s=52
